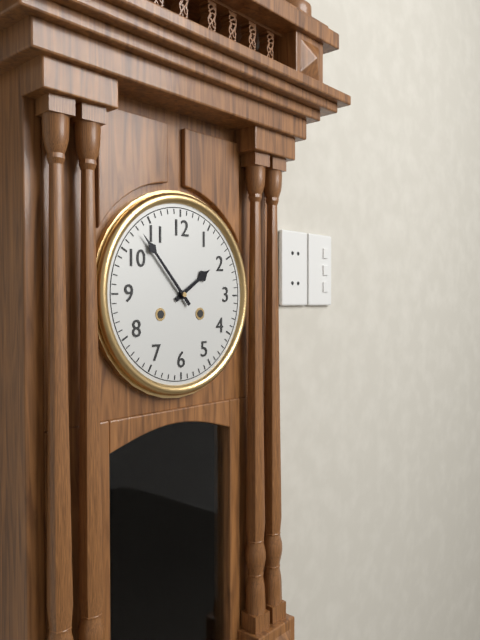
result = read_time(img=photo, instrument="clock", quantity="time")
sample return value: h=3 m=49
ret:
h=1 m=53
